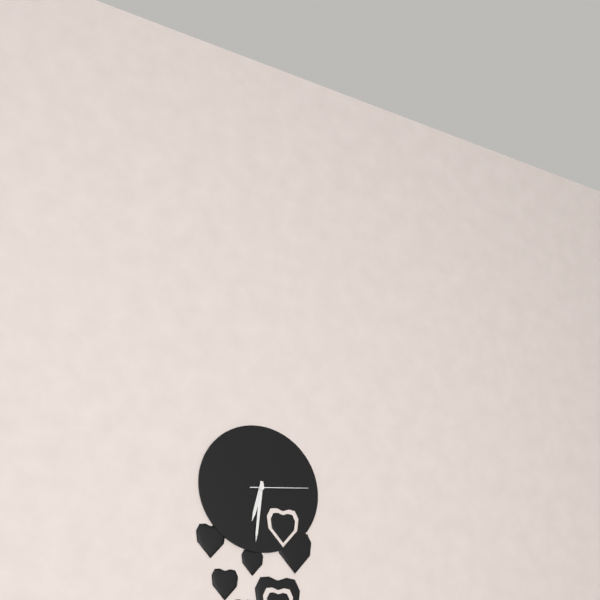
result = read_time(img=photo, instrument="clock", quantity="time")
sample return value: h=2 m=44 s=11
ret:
h=6 m=31 s=14
